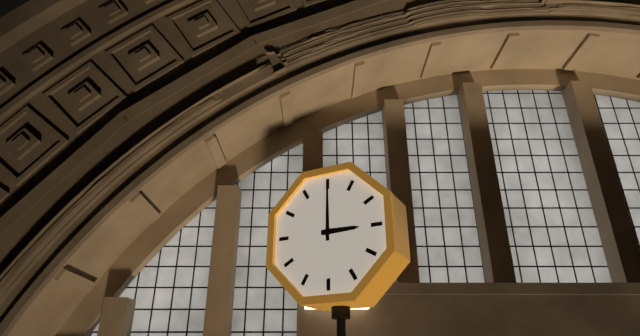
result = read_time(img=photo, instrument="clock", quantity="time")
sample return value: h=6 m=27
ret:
h=3 m=0
